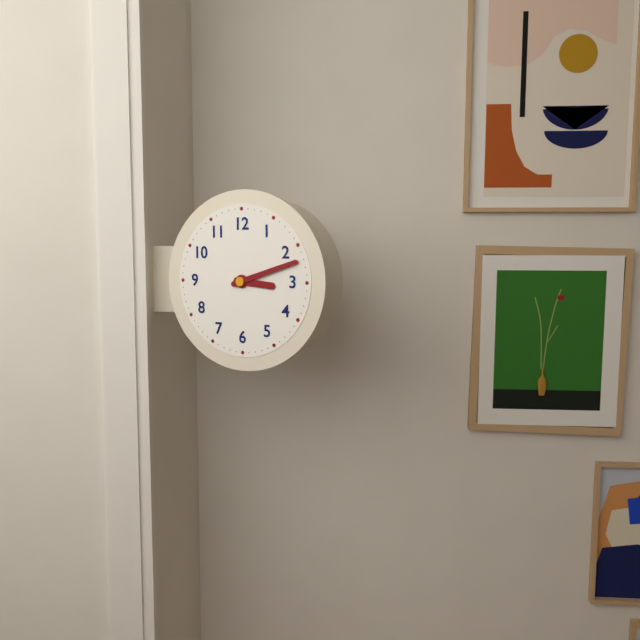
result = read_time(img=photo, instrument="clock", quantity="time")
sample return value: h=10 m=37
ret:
h=3 m=12
